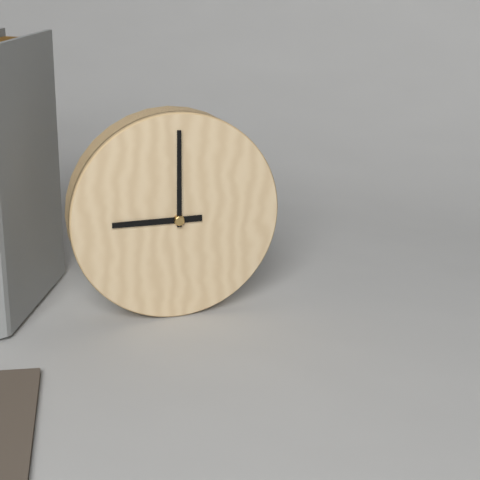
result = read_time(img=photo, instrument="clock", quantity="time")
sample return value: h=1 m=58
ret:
h=9 m=0
